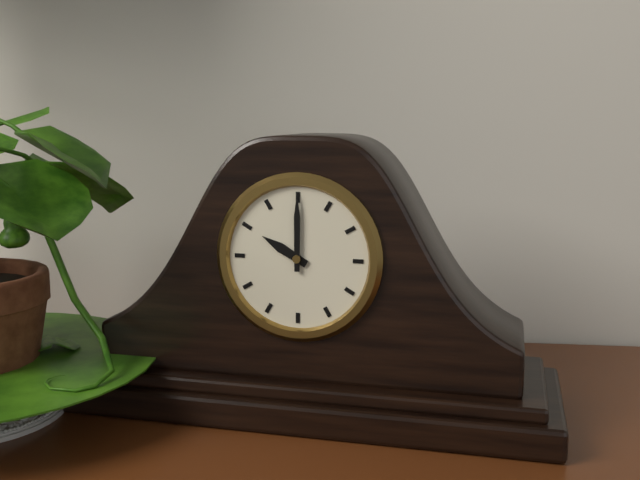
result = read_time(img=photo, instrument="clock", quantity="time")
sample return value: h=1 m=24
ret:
h=10 m=0
